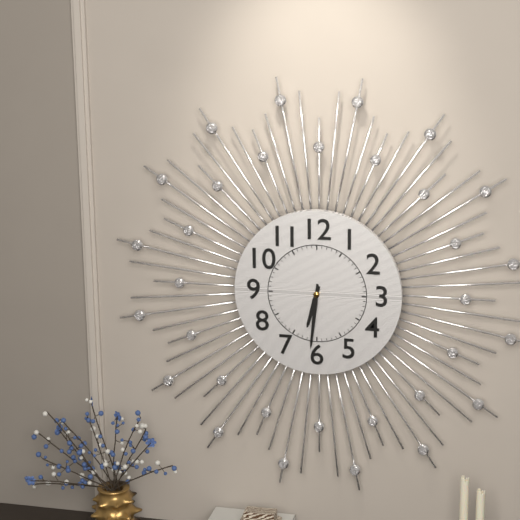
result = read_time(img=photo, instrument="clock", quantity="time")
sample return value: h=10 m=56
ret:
h=6 m=31
